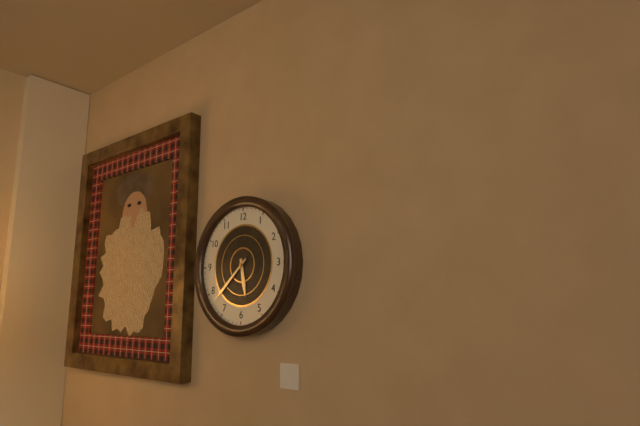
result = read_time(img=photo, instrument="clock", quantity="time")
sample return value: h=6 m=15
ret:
h=5 m=38
